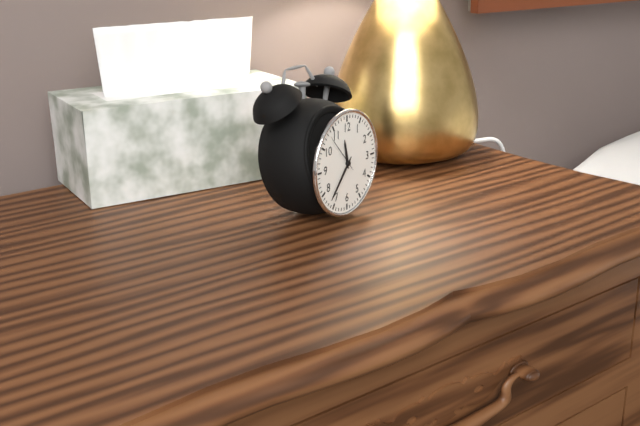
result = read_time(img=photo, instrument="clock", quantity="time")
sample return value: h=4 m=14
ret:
h=11 m=37
